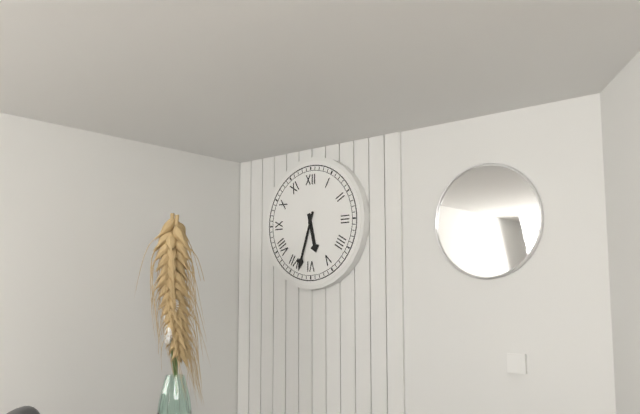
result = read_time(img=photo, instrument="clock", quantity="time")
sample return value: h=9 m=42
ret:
h=5 m=33
